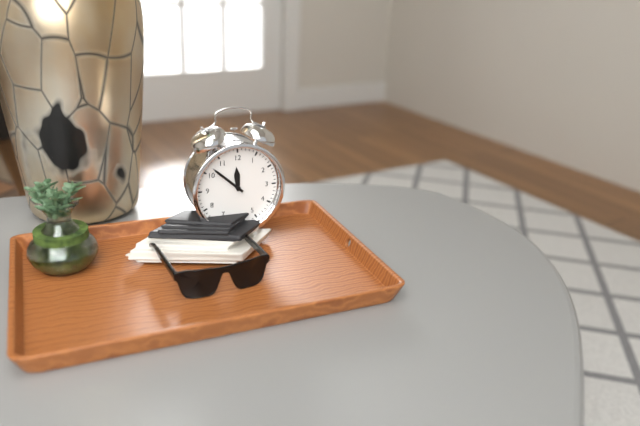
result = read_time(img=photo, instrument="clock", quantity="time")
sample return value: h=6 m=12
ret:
h=11 m=52
